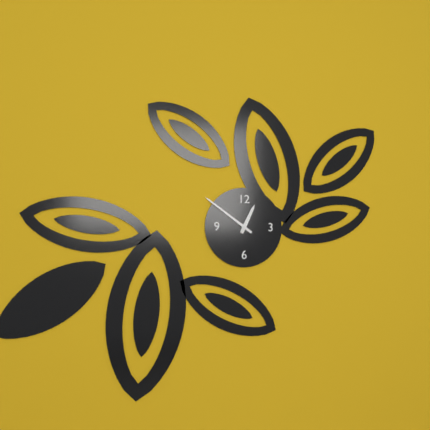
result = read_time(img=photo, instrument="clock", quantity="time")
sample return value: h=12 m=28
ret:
h=12 m=51
